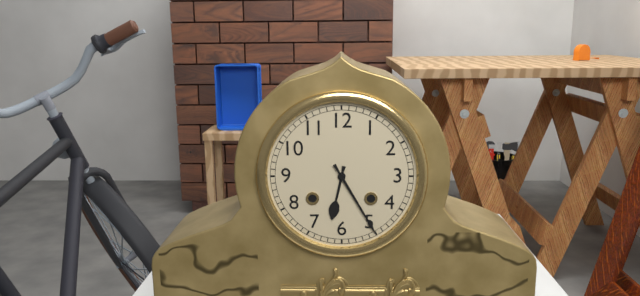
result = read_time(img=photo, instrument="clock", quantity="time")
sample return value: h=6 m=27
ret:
h=6 m=25
